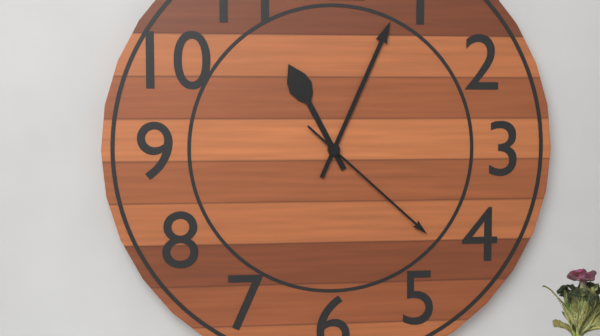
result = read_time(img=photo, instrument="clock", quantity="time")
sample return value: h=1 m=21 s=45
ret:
h=11 m=4 s=22
